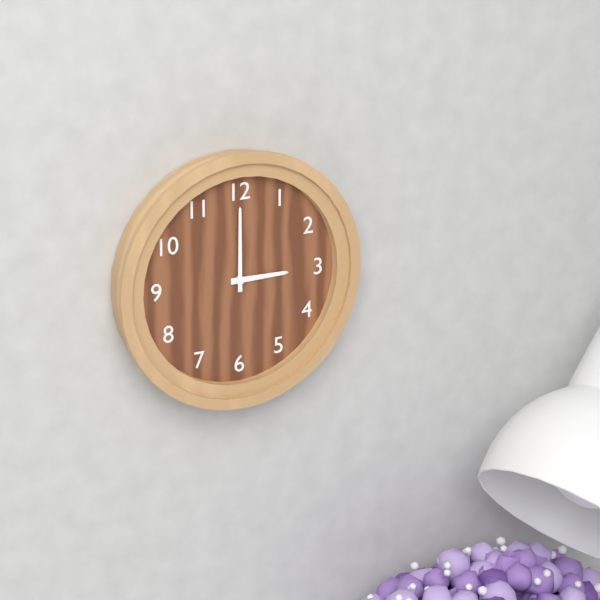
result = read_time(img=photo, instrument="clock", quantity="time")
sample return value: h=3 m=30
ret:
h=3 m=0
